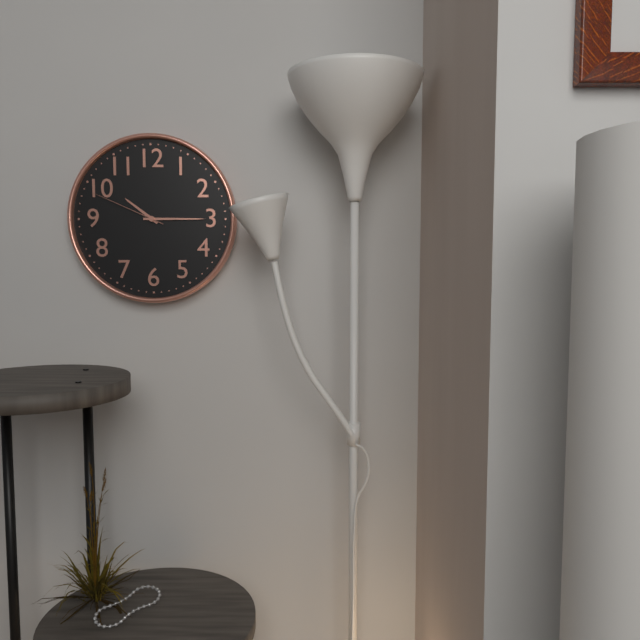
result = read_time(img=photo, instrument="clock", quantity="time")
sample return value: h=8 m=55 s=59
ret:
h=10 m=15 s=49
